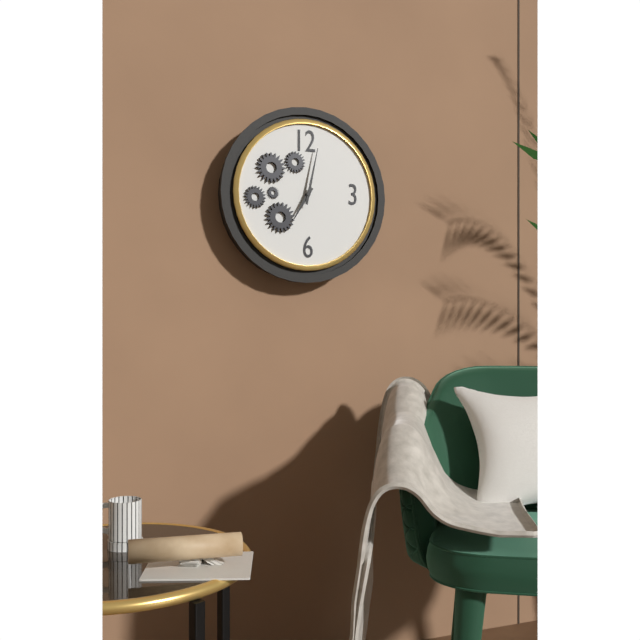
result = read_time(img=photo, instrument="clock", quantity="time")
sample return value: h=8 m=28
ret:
h=7 m=2
